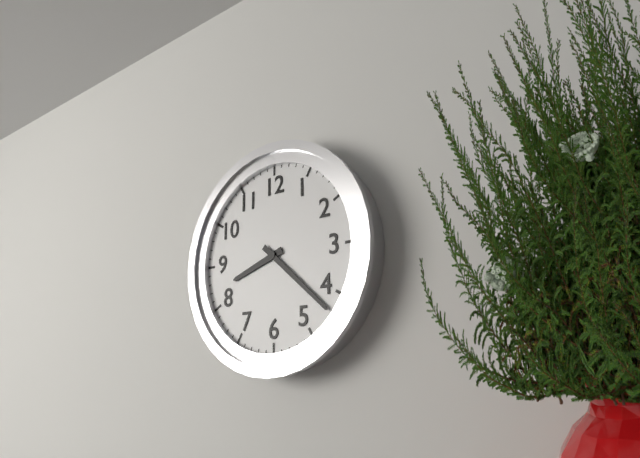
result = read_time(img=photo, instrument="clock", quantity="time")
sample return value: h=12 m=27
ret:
h=8 m=22
